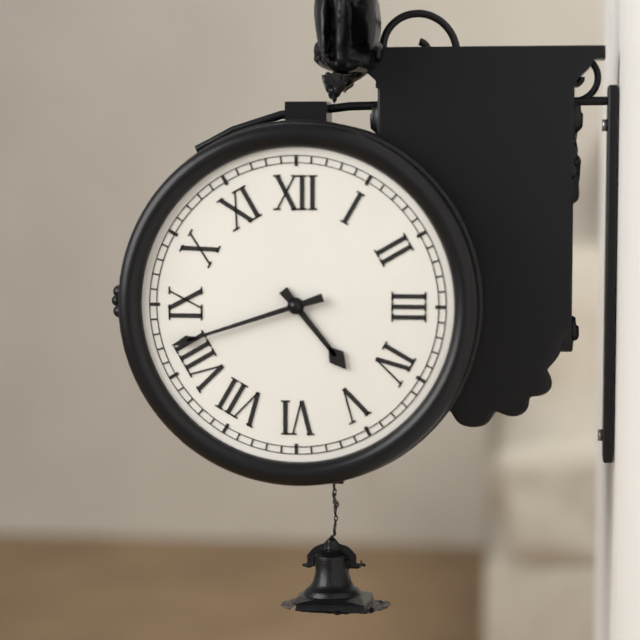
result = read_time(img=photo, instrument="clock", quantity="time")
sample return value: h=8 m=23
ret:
h=4 m=42
